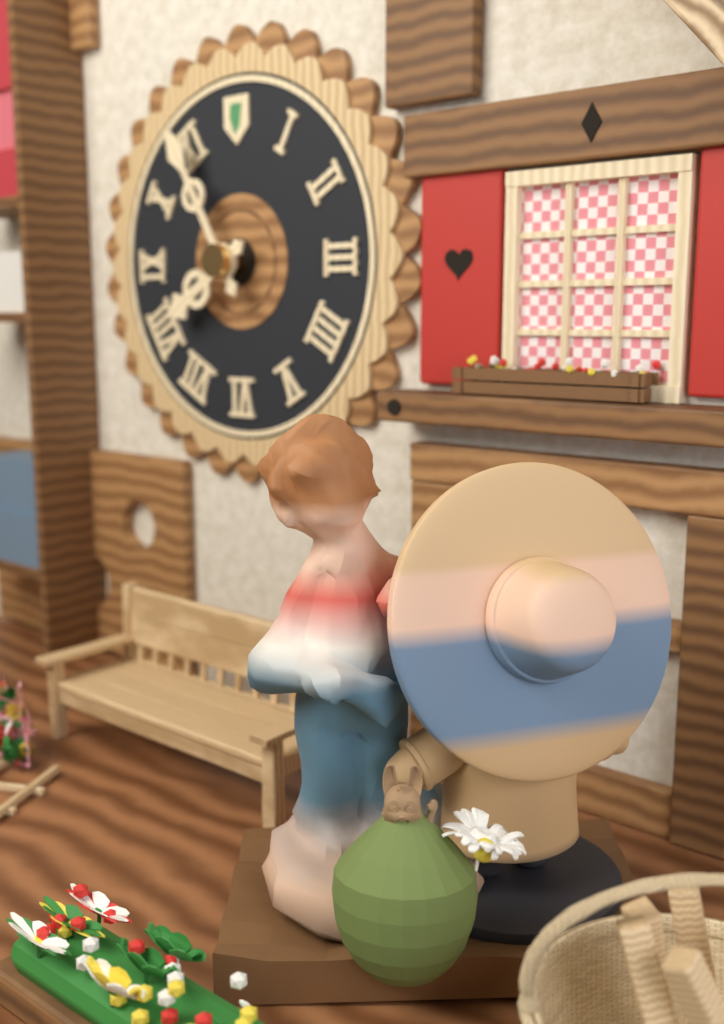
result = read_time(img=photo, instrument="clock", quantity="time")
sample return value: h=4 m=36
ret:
h=7 m=55
